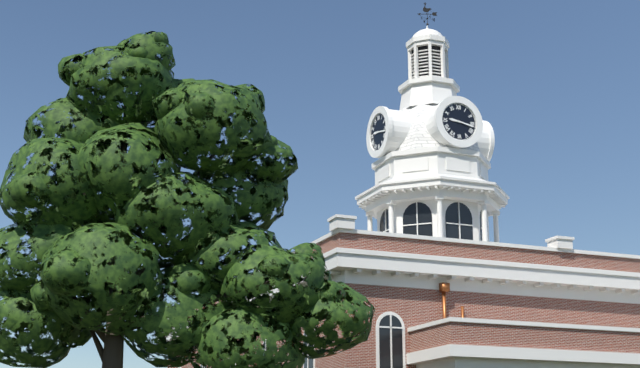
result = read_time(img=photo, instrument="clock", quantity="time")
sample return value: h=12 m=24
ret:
h=9 m=17
